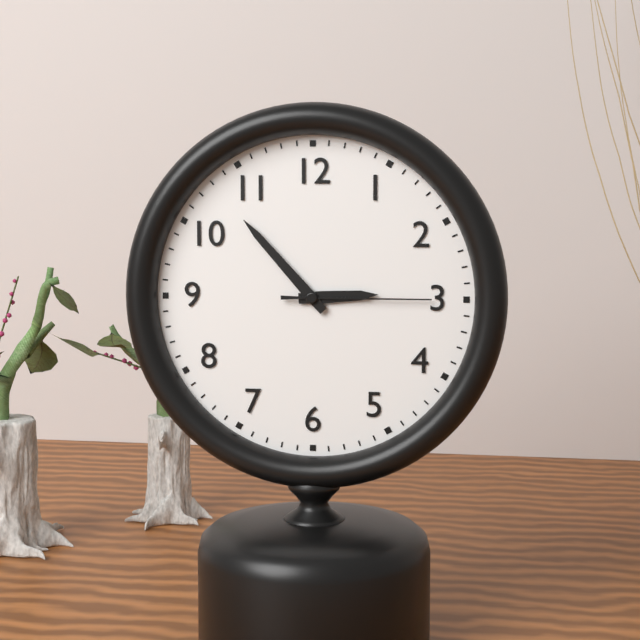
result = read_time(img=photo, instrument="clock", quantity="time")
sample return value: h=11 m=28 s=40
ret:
h=2 m=53 s=15
